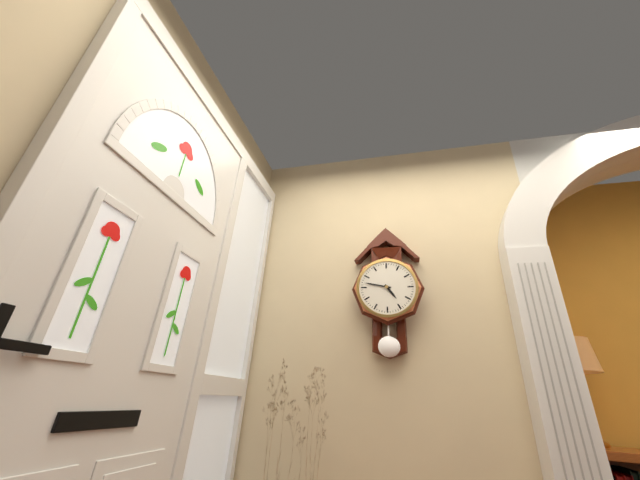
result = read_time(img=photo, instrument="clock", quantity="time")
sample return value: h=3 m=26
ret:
h=4 m=47
